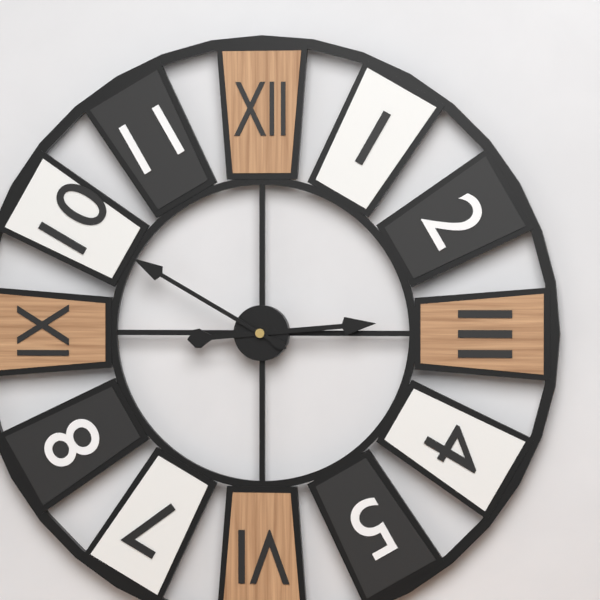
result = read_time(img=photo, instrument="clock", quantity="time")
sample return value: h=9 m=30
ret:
h=2 m=50
